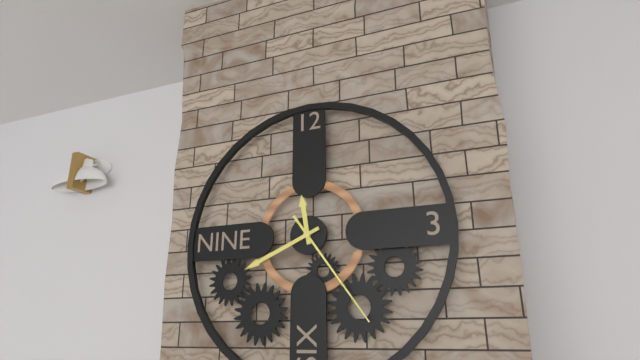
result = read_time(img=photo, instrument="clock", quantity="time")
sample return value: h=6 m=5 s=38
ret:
h=11 m=41 s=24
